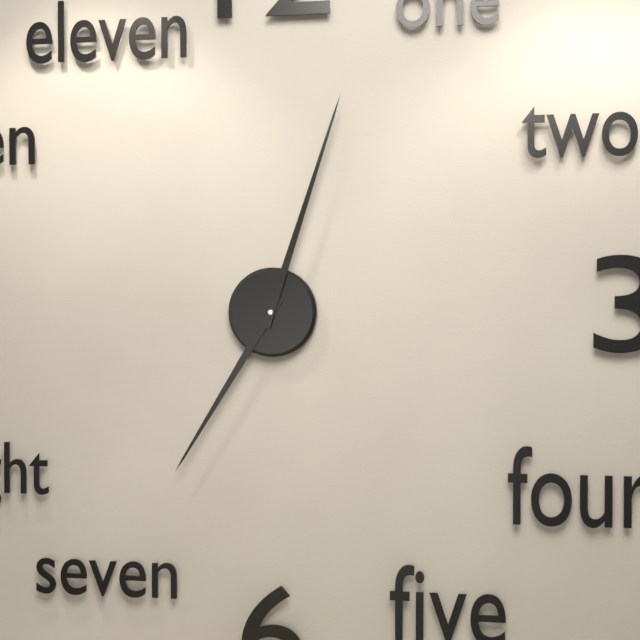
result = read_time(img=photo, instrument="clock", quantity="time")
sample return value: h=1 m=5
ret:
h=7 m=3
